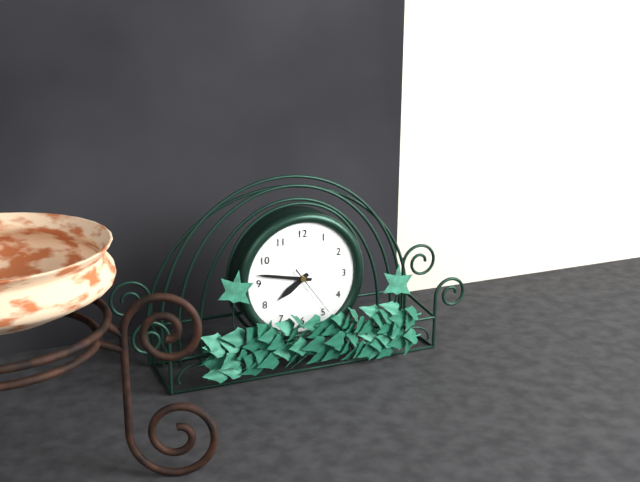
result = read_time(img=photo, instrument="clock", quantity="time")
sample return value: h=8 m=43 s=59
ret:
h=7 m=47 s=24
